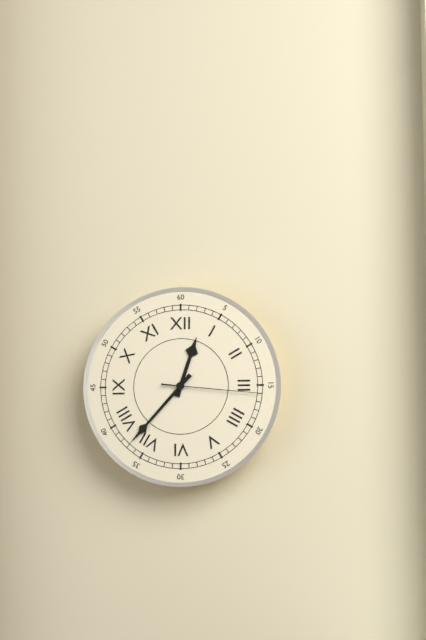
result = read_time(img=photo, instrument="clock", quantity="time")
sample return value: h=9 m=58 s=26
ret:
h=12 m=37 s=16
